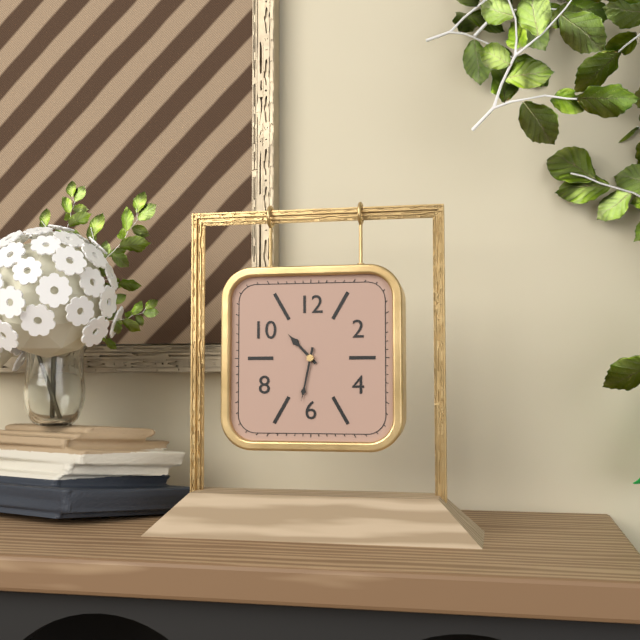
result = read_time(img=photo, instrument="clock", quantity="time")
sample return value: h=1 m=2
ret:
h=10 m=32
